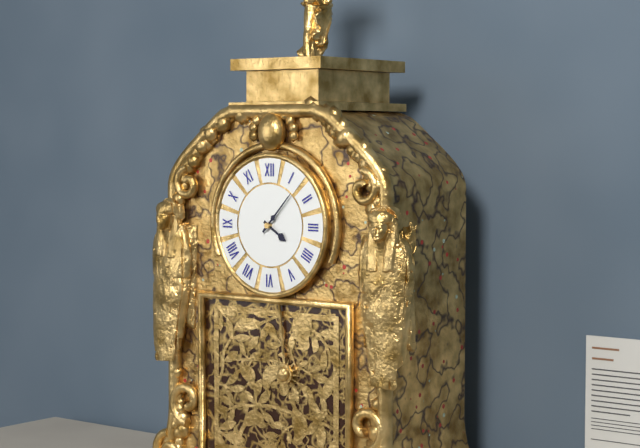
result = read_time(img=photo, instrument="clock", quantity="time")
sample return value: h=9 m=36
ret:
h=4 m=7
